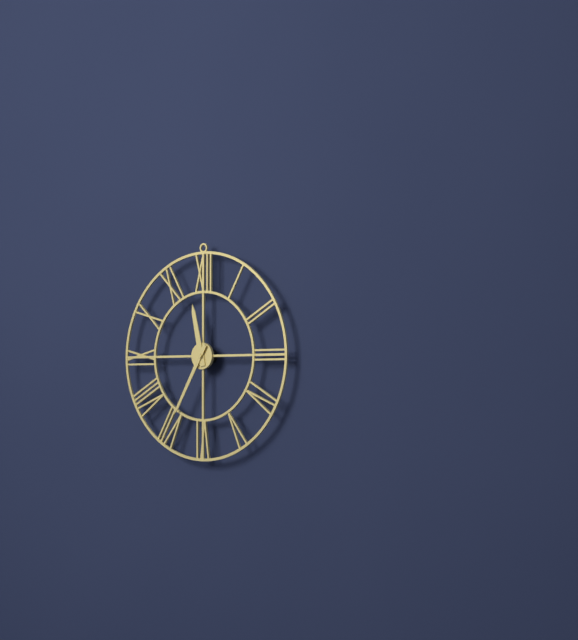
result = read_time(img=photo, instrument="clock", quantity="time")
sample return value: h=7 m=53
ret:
h=11 m=35
